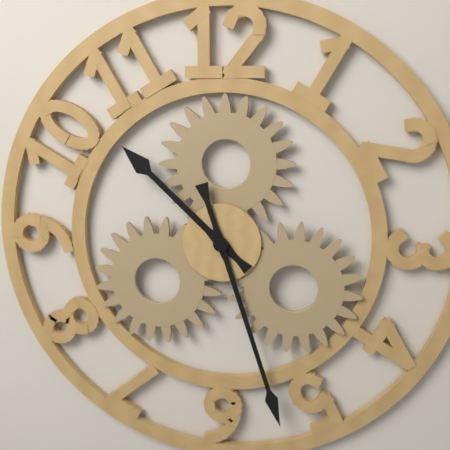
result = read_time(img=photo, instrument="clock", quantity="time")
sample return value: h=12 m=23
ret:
h=10 m=27
